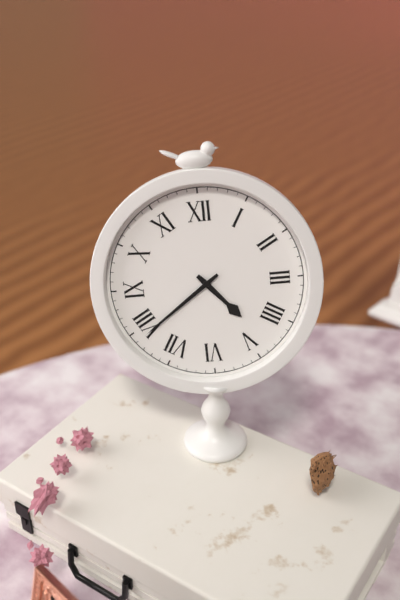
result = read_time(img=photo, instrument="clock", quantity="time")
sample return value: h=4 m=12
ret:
h=4 m=39
